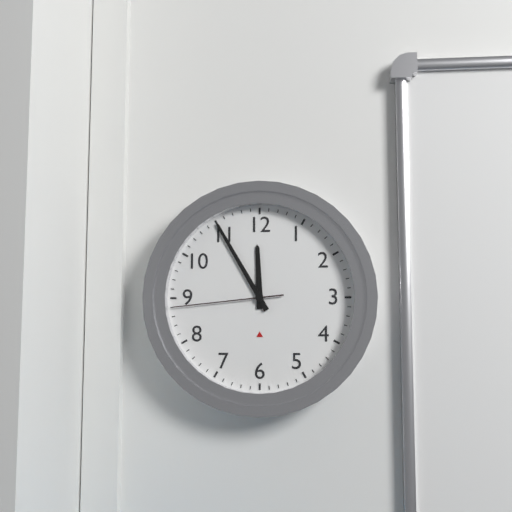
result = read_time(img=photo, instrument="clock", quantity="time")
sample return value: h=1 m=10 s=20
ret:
h=11 m=55 s=44
